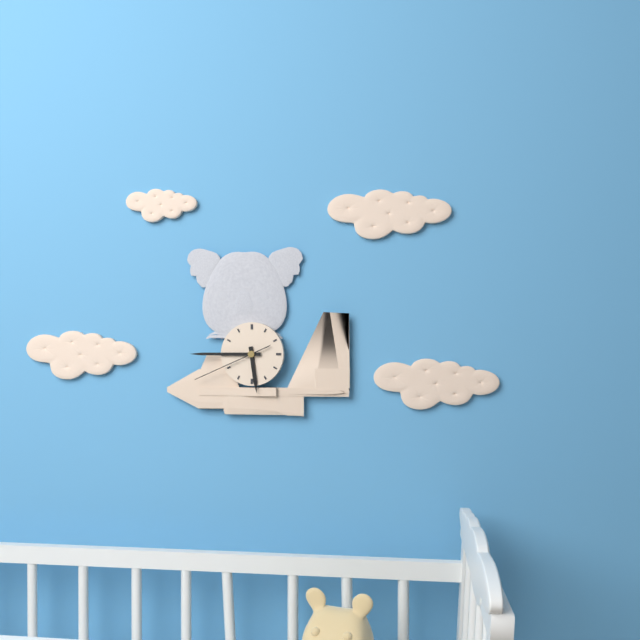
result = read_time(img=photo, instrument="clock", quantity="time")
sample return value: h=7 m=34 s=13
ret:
h=5 m=45 s=41
